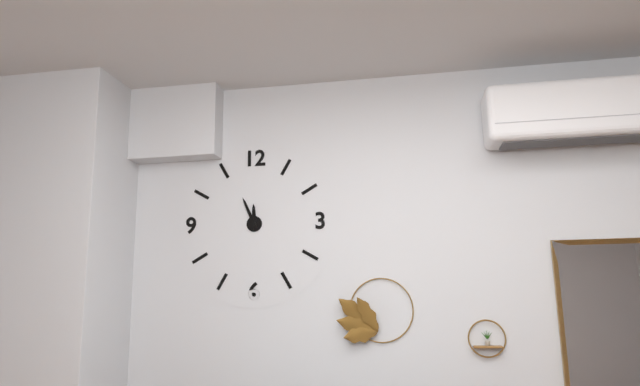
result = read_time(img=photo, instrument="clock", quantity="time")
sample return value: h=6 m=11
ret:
h=11 m=56
